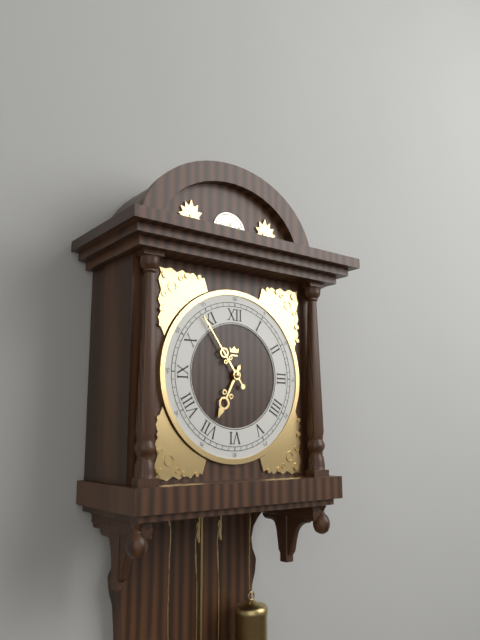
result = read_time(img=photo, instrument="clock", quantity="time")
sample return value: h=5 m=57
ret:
h=6 m=54
